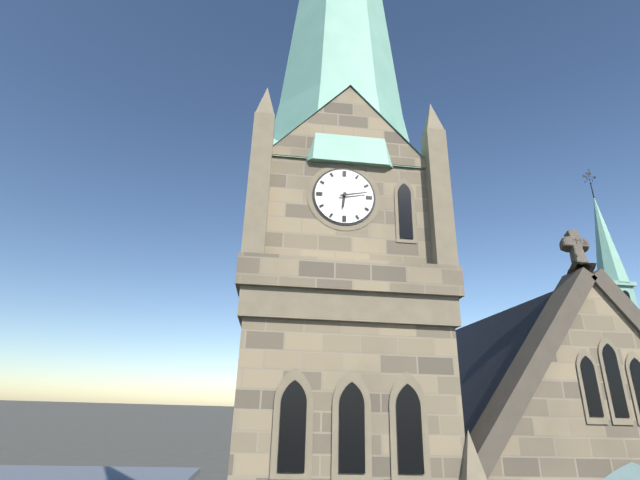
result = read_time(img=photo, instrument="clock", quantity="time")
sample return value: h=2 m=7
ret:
h=6 m=13
